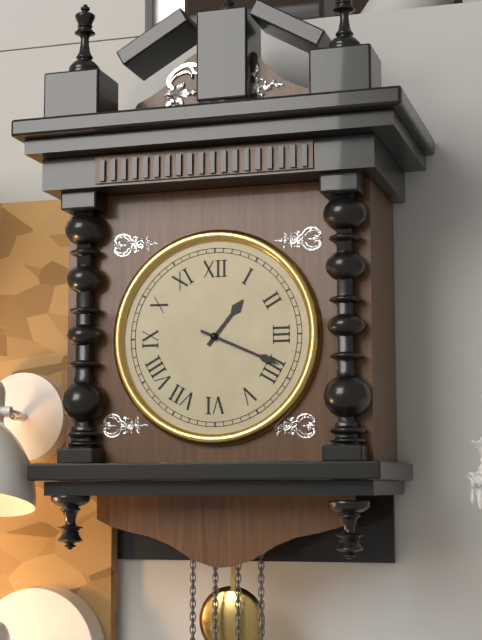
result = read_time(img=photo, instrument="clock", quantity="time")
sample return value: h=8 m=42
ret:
h=1 m=19
